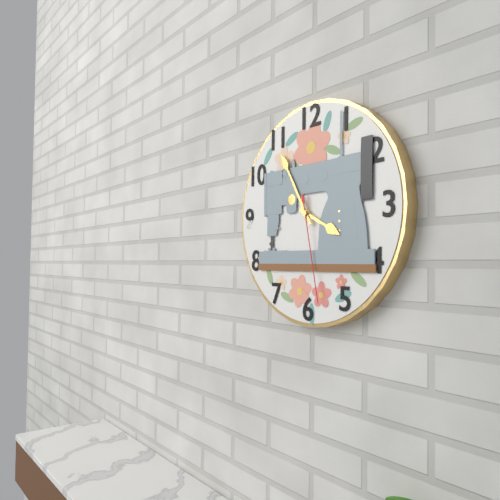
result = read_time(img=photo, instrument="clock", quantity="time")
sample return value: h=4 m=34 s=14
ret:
h=3 m=55 s=28
